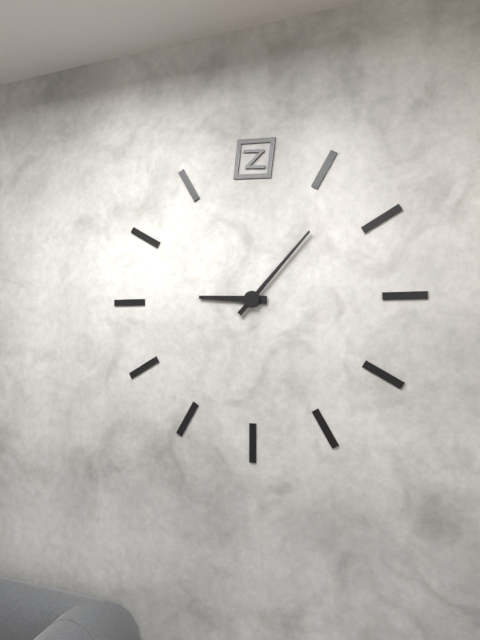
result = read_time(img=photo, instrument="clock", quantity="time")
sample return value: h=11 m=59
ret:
h=9 m=7
